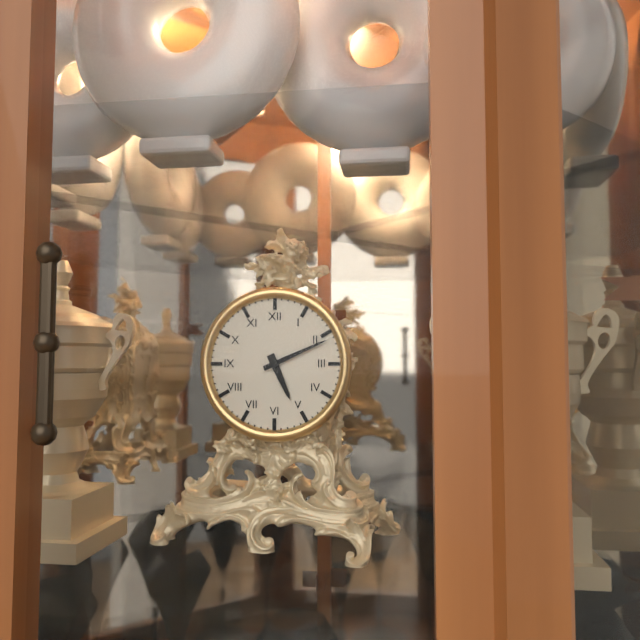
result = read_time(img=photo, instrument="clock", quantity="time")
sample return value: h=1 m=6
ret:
h=5 m=11
